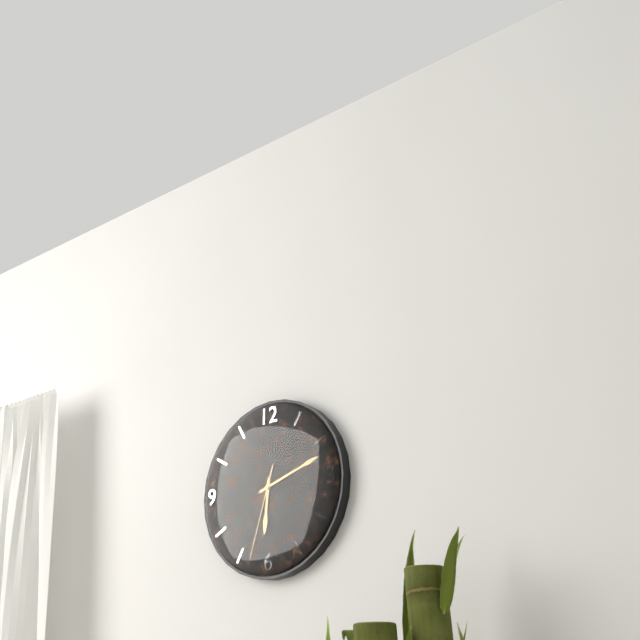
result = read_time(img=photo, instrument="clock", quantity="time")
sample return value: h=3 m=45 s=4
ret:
h=6 m=12 s=33
